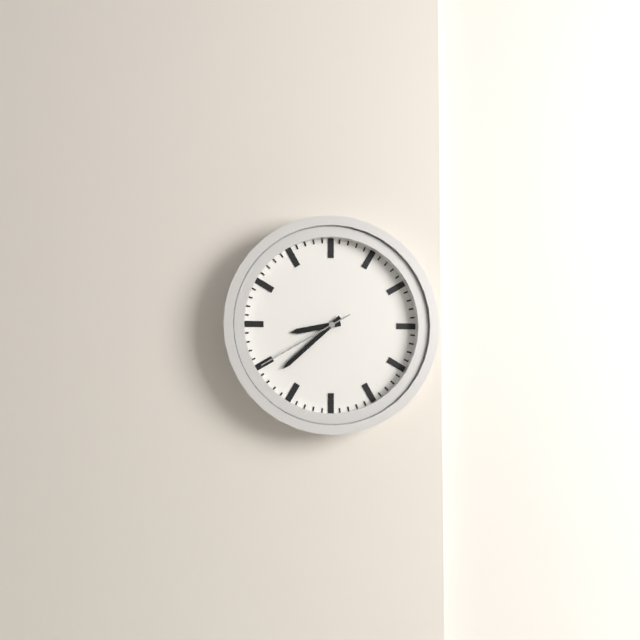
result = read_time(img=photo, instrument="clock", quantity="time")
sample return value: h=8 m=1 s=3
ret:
h=8 m=38 s=40
